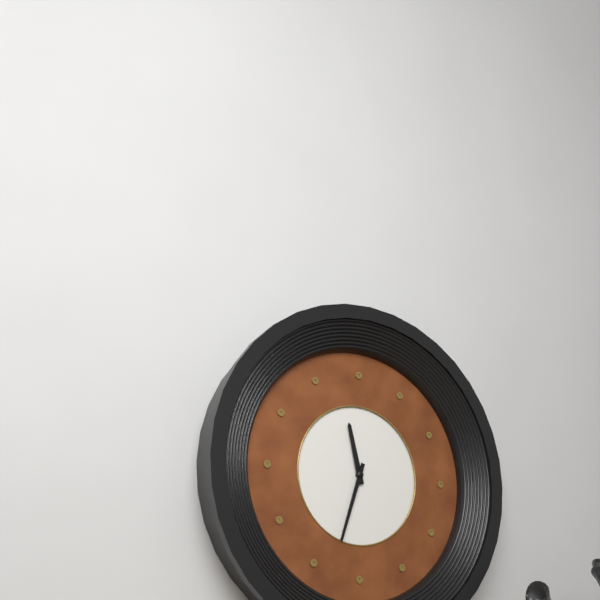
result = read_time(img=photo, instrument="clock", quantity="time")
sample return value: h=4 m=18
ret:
h=11 m=33
